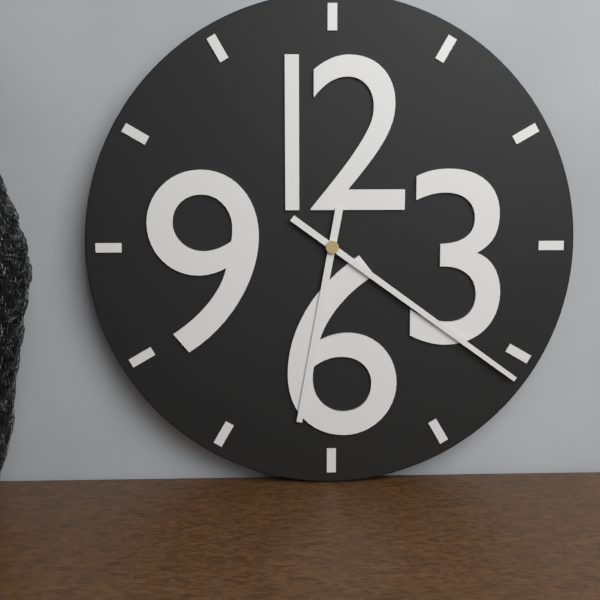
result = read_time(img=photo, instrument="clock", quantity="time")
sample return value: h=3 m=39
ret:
h=6 m=21
